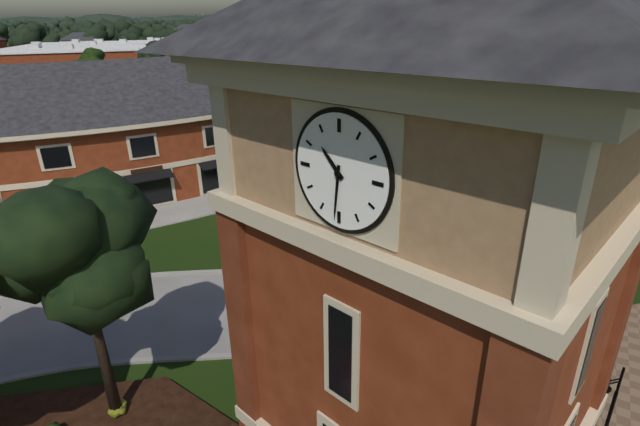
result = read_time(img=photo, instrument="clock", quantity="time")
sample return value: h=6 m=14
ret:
h=10 m=31
